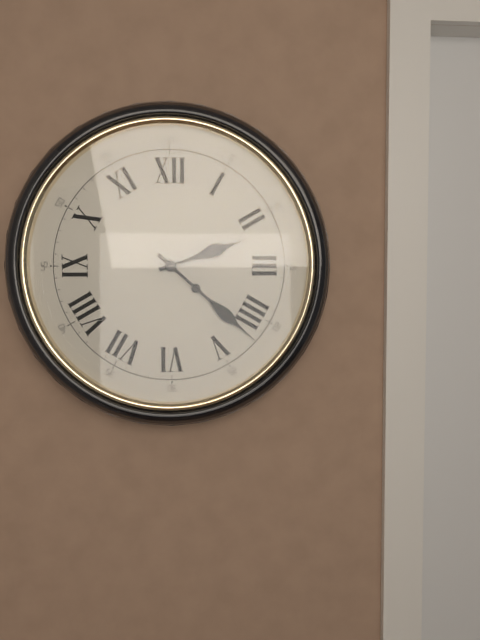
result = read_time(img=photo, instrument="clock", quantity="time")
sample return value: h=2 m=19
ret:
h=2 m=22
